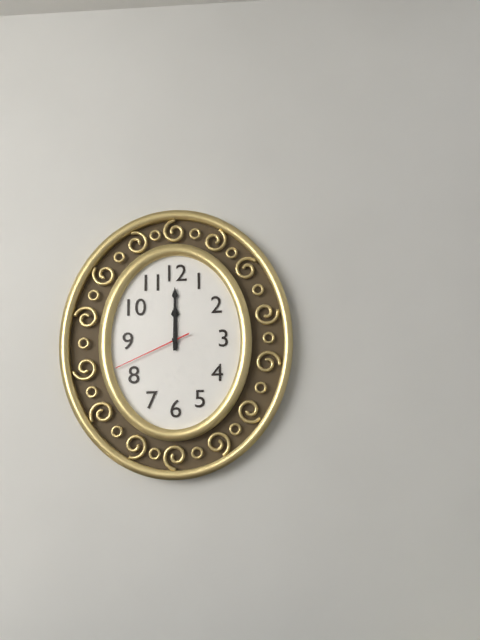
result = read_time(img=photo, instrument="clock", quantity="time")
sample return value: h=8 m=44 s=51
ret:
h=12 m=0 s=41
